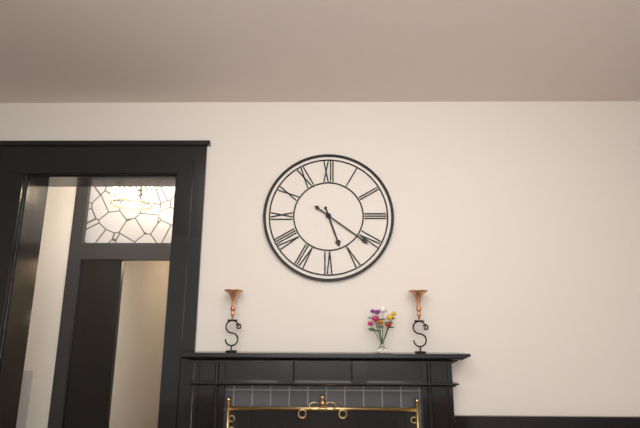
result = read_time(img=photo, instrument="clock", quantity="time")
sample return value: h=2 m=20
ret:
h=5 m=21
